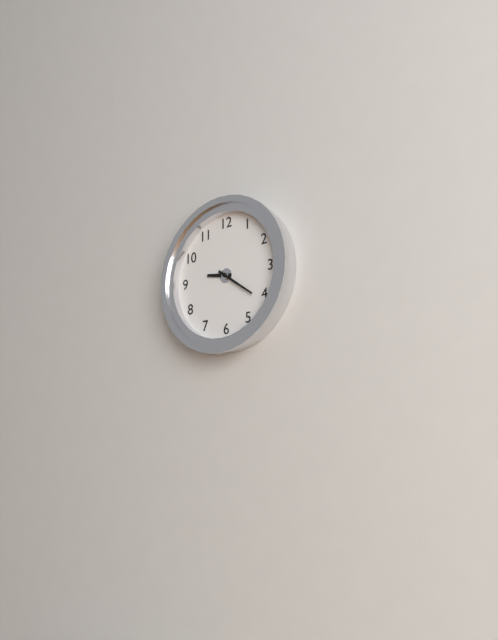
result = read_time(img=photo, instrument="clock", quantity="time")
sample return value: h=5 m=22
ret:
h=9 m=21
